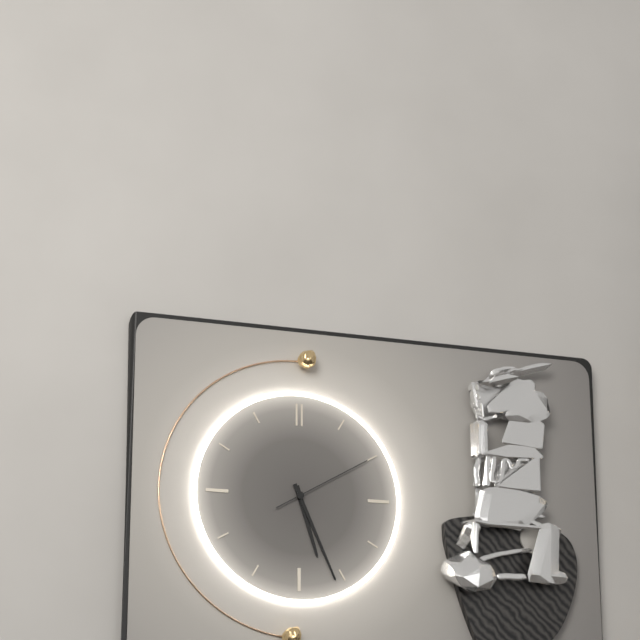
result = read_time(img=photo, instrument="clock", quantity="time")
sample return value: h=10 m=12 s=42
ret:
h=5 m=26 s=10
